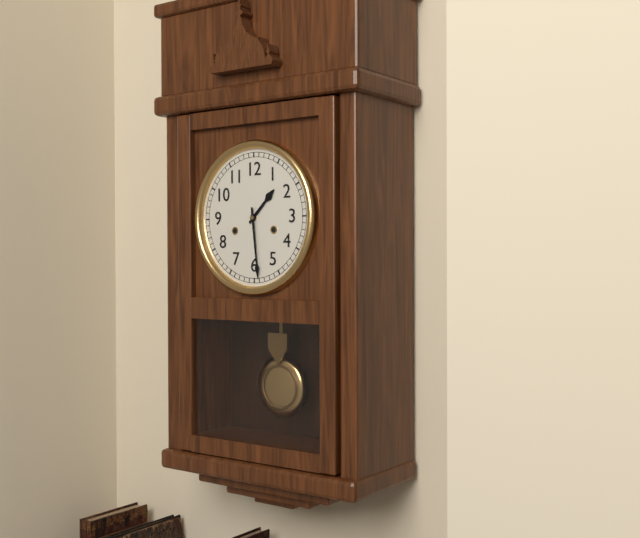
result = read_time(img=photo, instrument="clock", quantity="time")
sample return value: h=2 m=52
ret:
h=1 m=29
